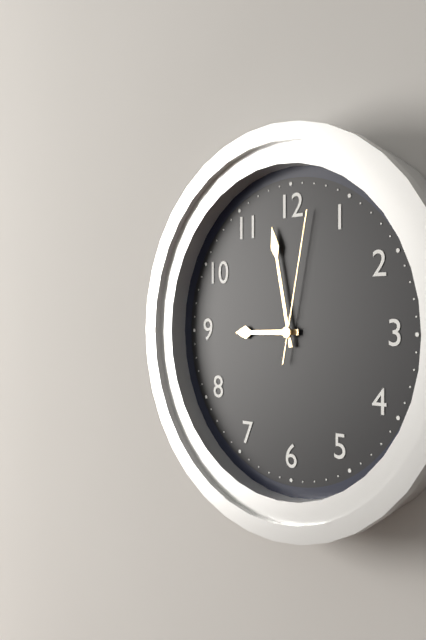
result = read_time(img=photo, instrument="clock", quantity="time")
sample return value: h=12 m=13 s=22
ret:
h=8 m=58 s=2
